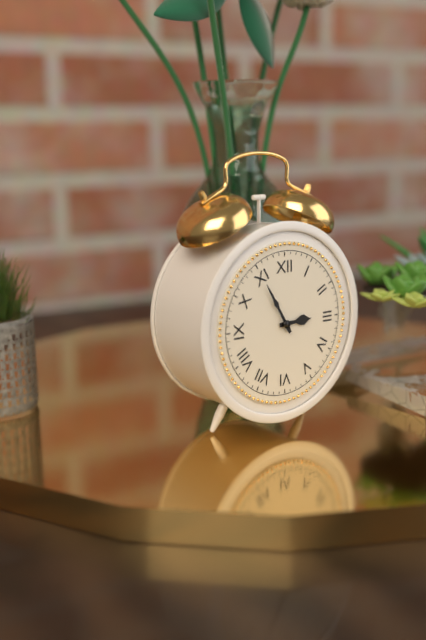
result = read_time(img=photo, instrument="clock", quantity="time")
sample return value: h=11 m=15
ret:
h=2 m=55
